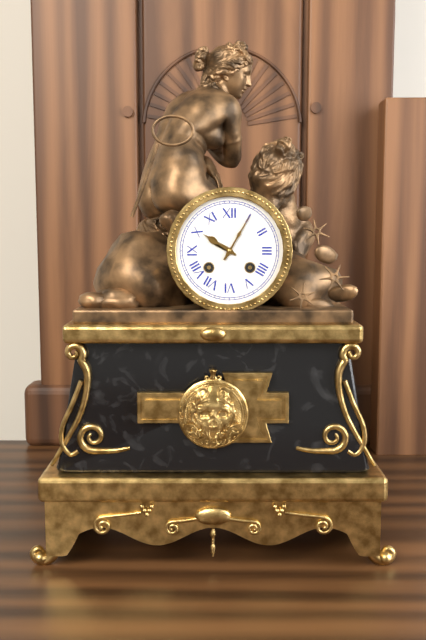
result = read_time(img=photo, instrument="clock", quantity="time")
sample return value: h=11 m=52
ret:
h=10 m=5
